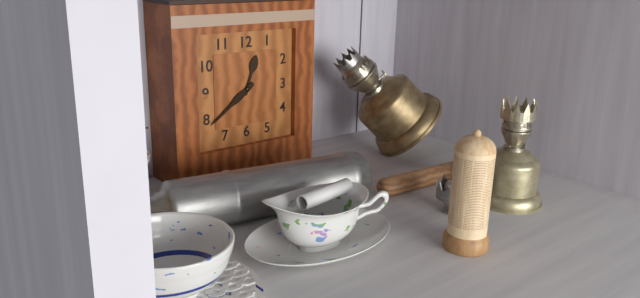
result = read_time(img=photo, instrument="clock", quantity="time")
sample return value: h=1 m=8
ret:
h=12 m=39
